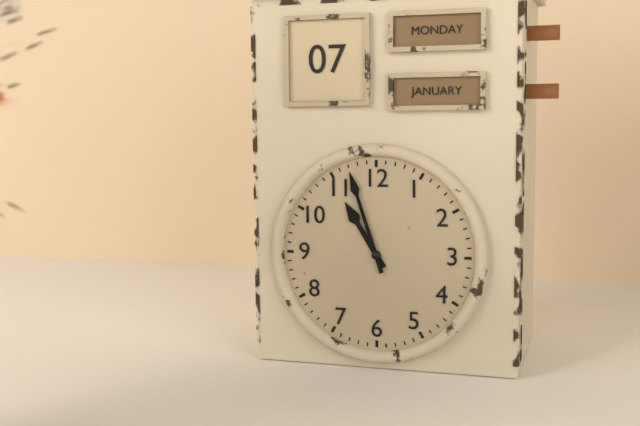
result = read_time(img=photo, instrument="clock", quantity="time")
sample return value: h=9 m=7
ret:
h=10 m=57
